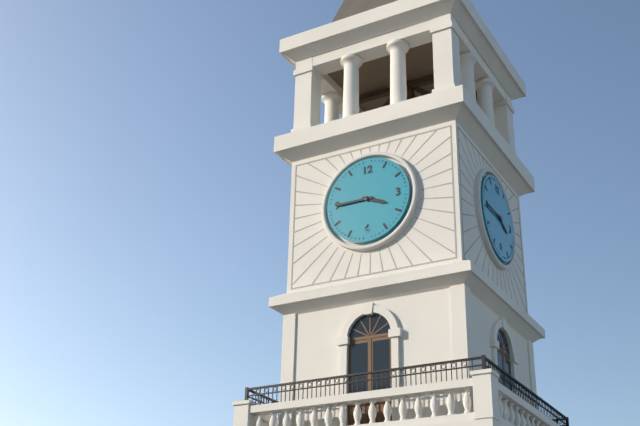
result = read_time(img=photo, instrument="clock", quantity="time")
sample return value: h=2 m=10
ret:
h=3 m=45
